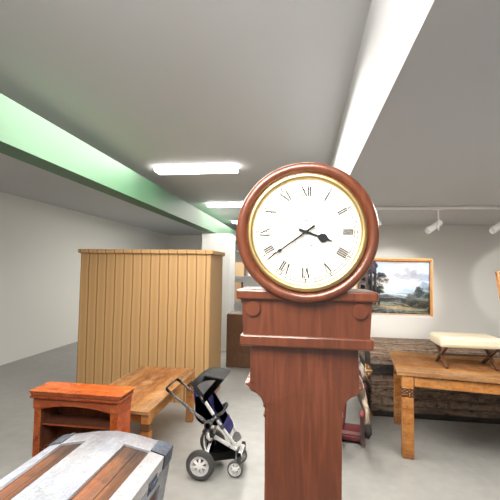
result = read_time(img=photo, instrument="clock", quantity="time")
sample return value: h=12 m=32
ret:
h=3 m=39
